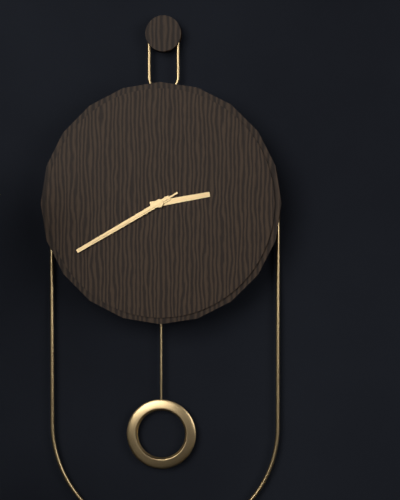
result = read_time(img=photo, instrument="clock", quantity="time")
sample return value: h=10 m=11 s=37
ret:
h=2 m=40 s=40
